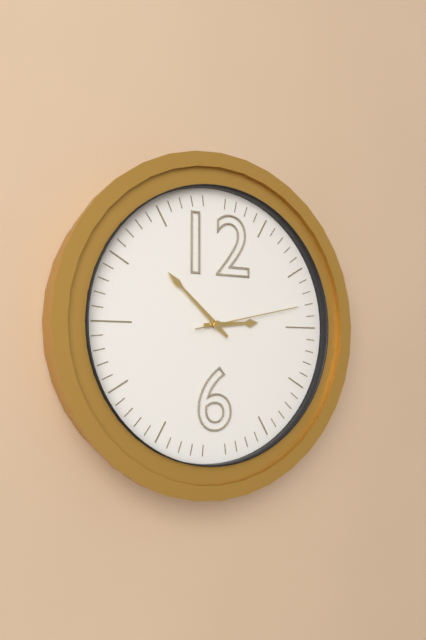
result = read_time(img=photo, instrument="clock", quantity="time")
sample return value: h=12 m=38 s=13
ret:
h=2 m=52 s=13
